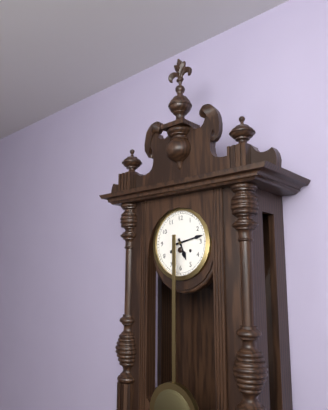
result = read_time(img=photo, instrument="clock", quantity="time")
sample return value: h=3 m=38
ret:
h=5 m=13
